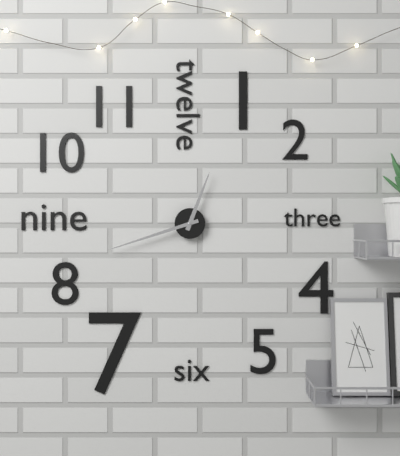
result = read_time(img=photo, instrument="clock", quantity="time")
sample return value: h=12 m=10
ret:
h=12 m=42
